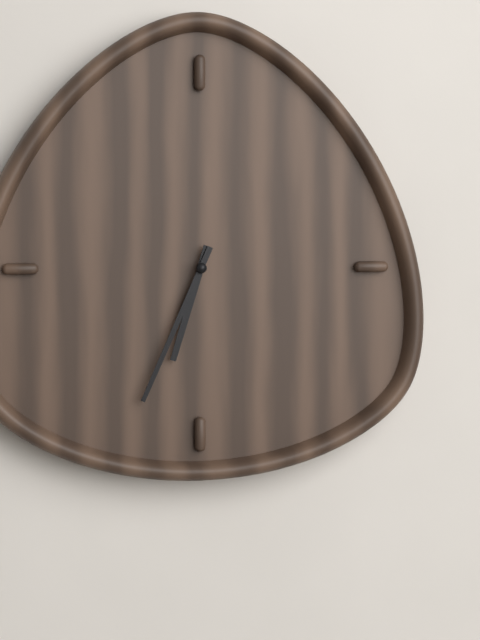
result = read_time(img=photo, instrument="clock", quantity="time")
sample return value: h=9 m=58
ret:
h=6 m=34
